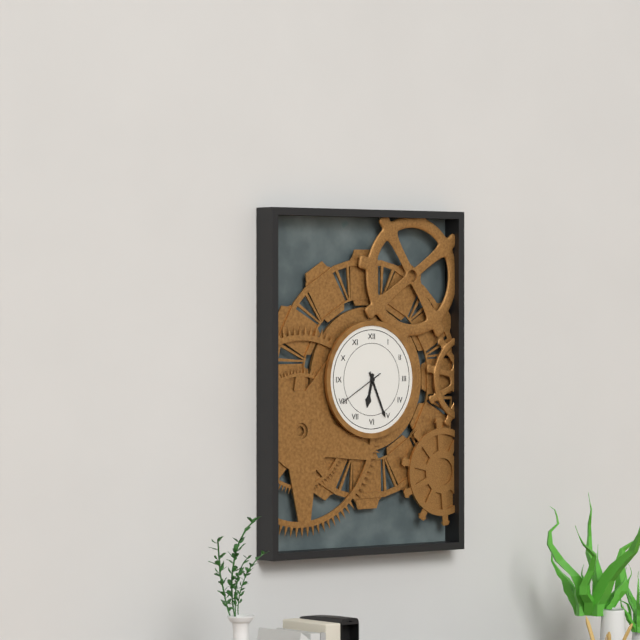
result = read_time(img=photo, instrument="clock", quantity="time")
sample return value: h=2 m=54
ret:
h=6 m=26
